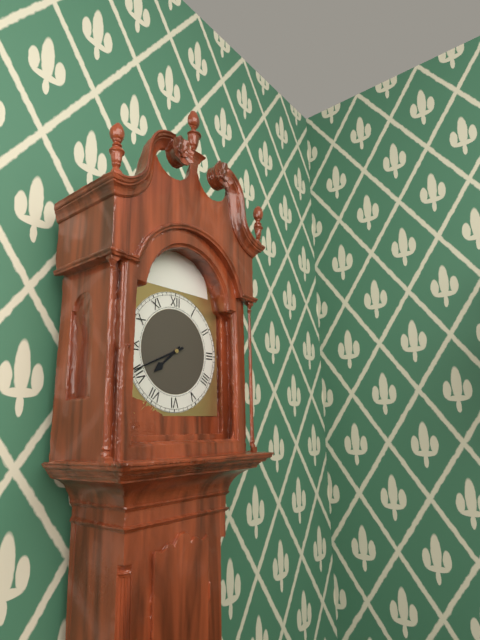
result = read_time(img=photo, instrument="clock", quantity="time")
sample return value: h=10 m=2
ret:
h=7 m=41
